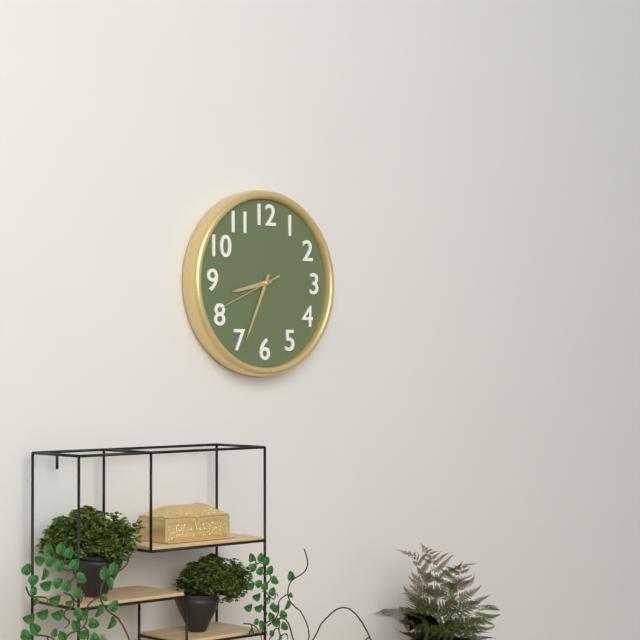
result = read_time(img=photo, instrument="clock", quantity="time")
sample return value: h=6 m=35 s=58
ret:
h=8 m=34 s=41
